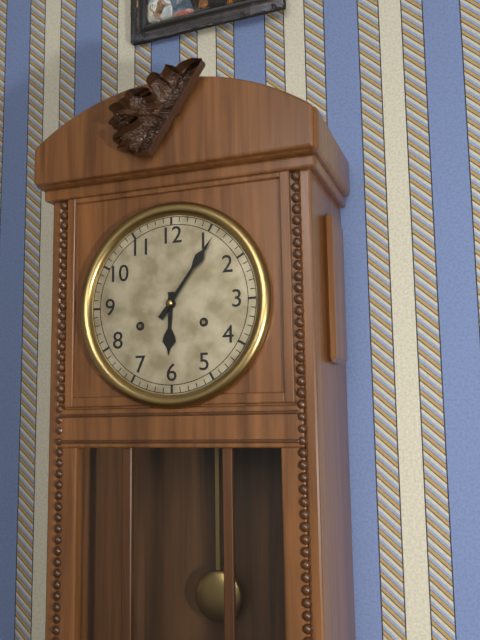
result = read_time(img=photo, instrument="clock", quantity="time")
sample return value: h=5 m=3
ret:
h=6 m=6
